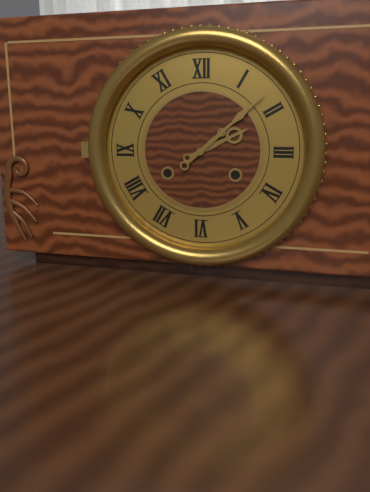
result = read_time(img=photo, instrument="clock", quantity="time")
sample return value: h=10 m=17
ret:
h=2 m=8
